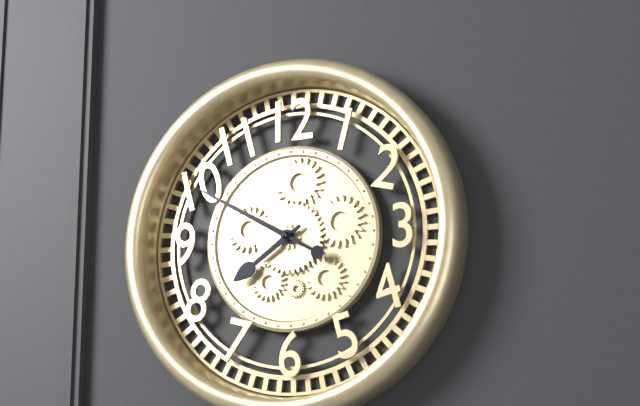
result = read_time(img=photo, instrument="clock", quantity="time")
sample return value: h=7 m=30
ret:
h=7 m=50
